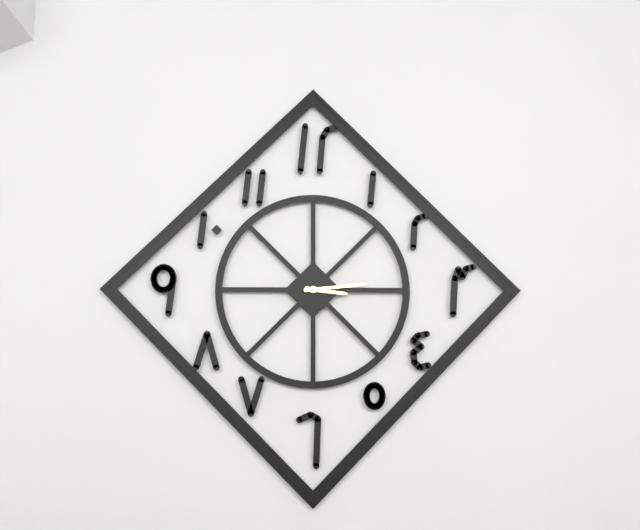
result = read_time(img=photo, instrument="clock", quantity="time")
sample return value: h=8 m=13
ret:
h=3 m=14
